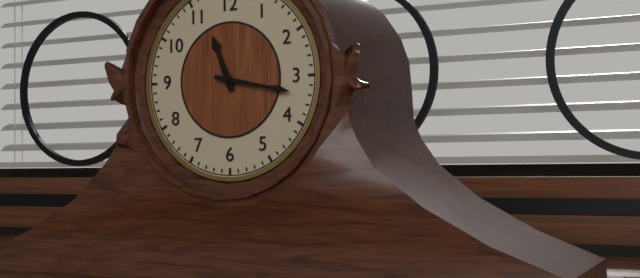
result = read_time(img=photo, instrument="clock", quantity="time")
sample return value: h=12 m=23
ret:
h=11 m=17
